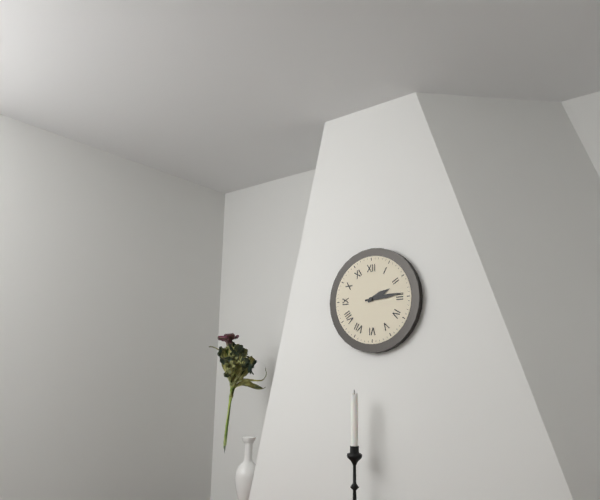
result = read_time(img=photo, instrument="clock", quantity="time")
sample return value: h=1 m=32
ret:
h=2 m=14
